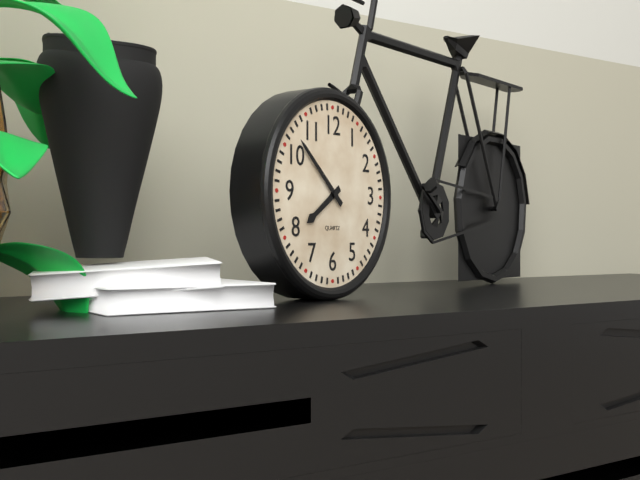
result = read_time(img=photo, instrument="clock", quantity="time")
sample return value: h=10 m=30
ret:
h=7 m=52
